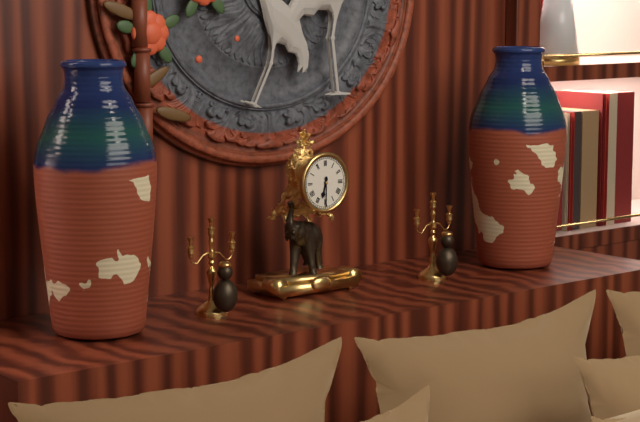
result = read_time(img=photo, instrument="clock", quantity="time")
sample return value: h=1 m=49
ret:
h=6 m=30
